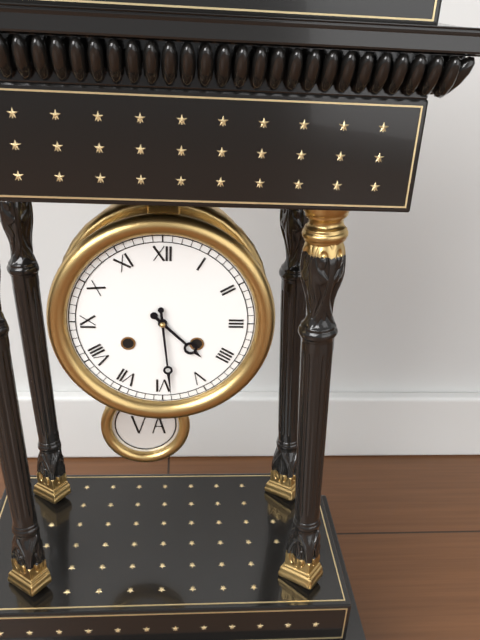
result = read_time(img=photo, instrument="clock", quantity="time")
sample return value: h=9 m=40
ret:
h=4 m=29
